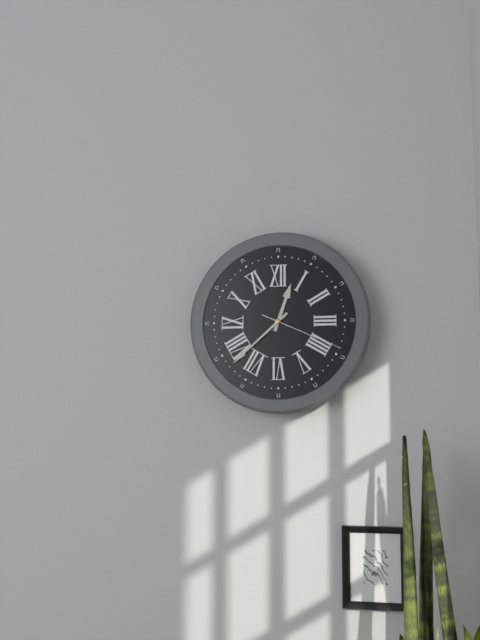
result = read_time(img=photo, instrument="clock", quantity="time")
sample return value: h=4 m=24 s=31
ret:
h=12 m=38 s=19
